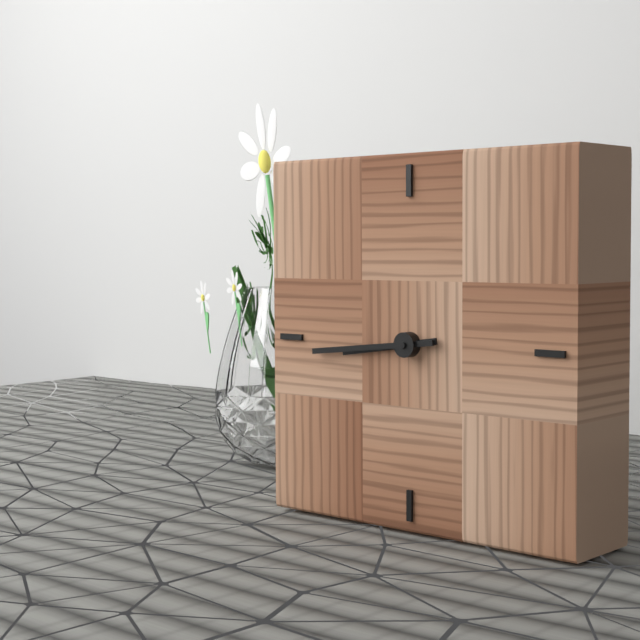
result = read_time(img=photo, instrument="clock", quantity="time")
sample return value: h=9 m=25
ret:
h=8 m=44
